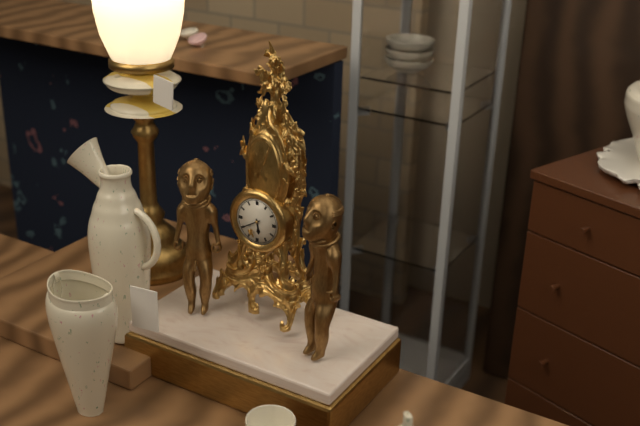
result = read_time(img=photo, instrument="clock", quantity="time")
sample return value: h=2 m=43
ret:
h=5 m=40
